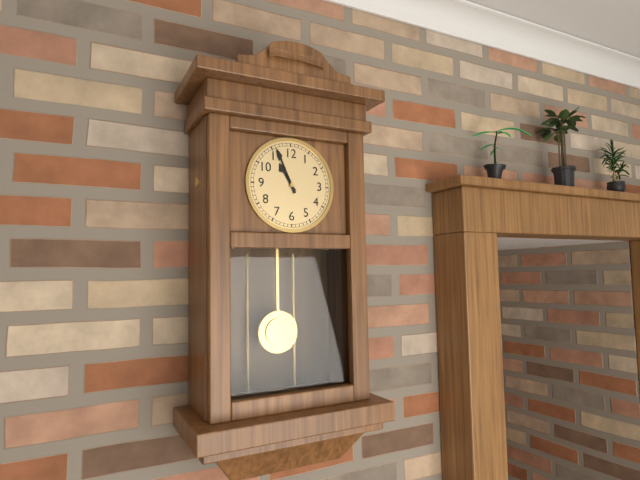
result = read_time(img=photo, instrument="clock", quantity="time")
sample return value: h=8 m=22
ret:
h=10 m=56
